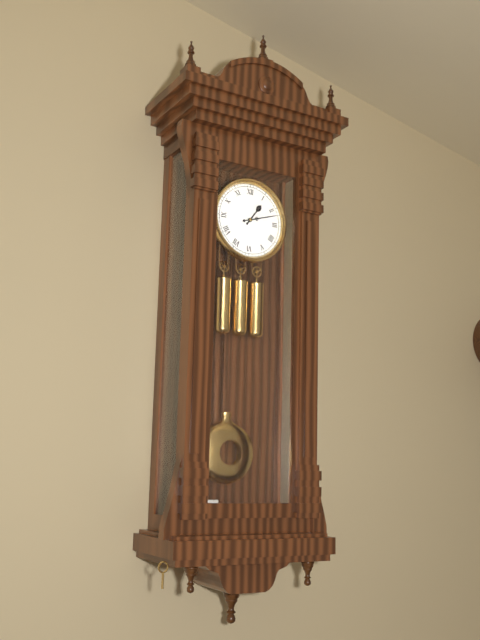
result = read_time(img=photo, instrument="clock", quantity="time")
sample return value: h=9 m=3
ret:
h=1 m=12
